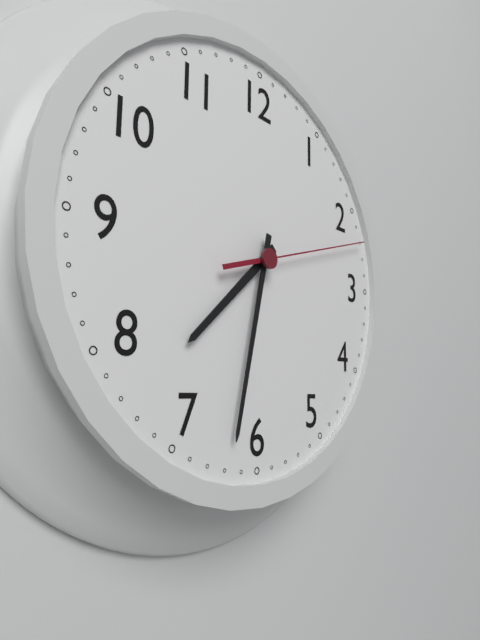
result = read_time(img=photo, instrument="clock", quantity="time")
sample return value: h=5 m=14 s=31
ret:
h=7 m=32 s=12
